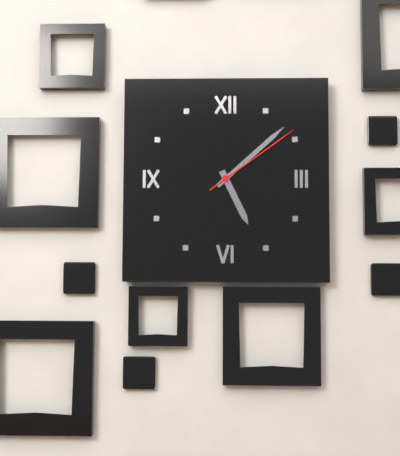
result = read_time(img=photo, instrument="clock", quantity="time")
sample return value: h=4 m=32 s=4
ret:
h=5 m=8 s=9
